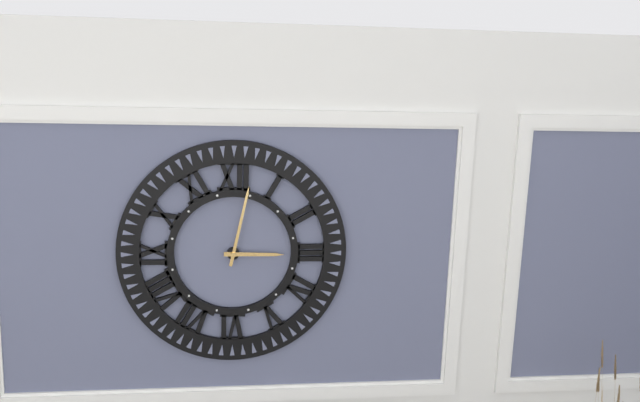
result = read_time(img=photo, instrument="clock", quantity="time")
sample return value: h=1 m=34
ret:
h=3 m=2
